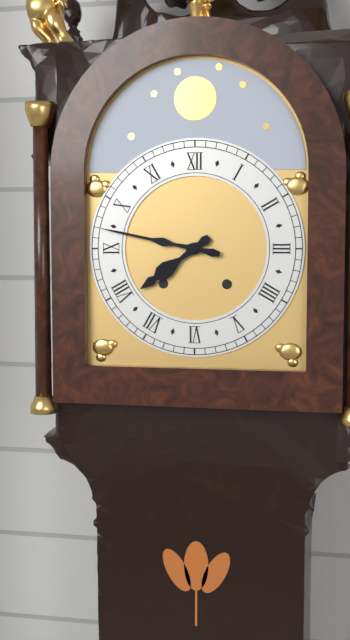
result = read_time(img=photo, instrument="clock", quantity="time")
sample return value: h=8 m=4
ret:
h=7 m=47
